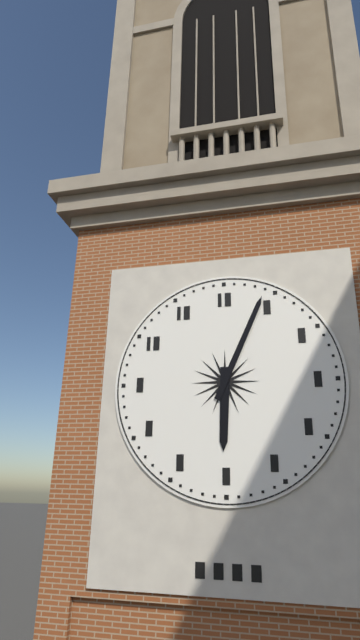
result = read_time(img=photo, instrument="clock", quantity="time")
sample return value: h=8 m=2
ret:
h=6 m=4
